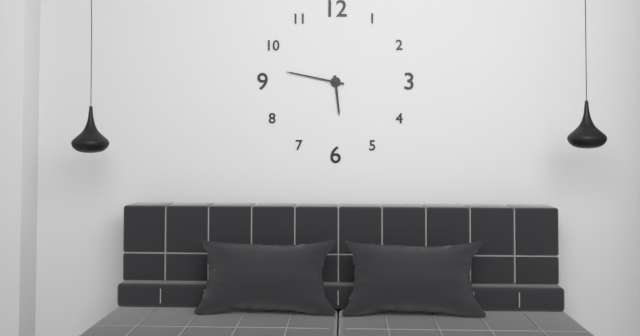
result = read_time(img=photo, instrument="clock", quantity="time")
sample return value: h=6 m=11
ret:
h=5 m=47
